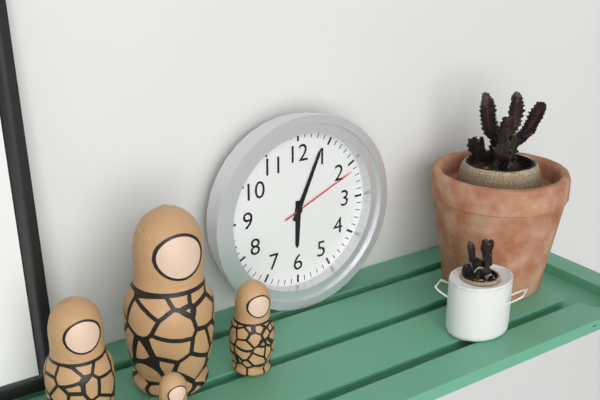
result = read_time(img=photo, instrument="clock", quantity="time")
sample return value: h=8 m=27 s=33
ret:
h=6 m=4 s=11
